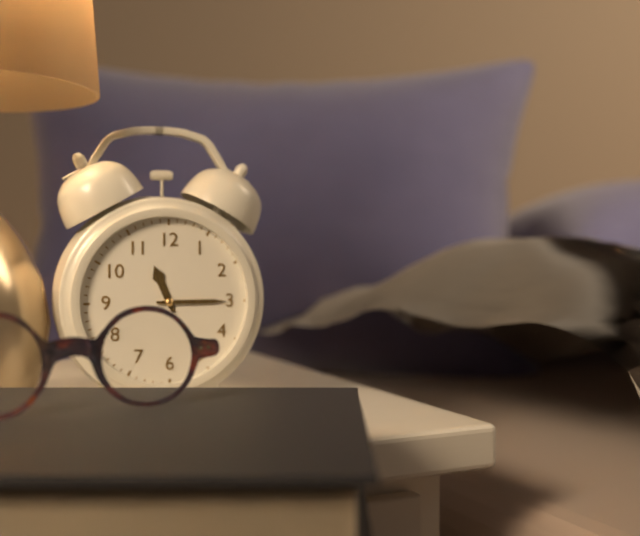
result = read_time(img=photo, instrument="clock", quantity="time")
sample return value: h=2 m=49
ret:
h=11 m=15
